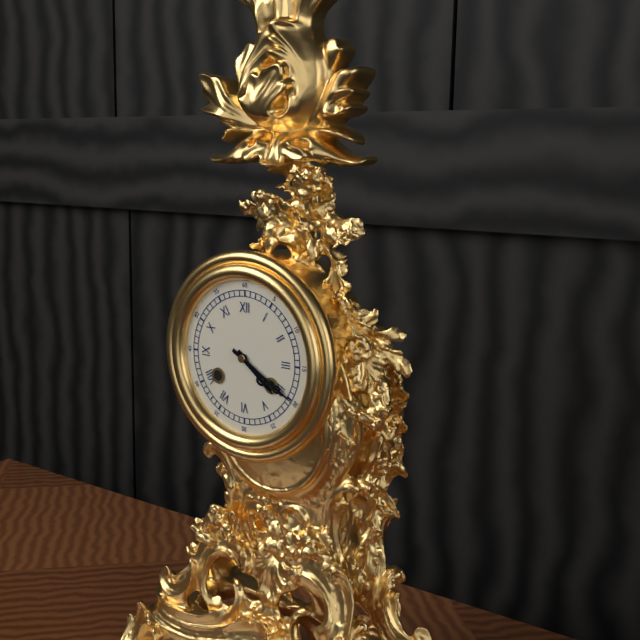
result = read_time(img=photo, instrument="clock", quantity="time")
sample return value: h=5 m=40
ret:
h=4 m=20
